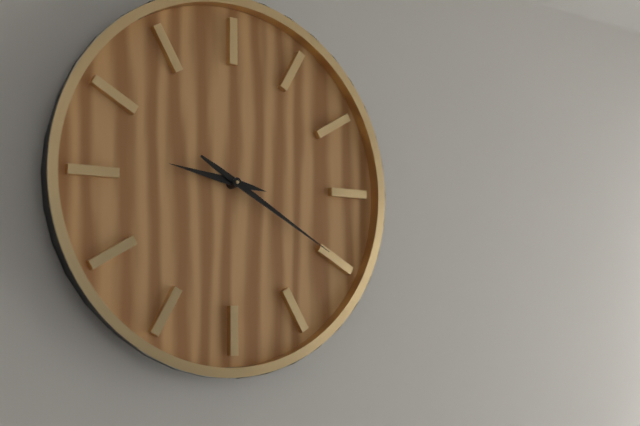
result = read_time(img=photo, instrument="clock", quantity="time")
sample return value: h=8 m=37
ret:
h=9 m=20
